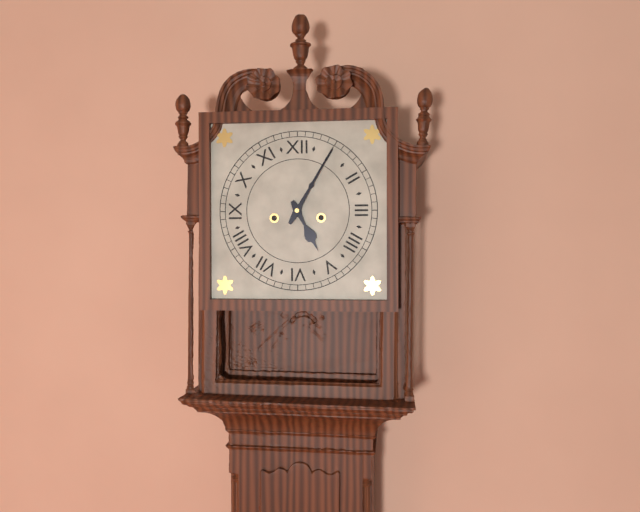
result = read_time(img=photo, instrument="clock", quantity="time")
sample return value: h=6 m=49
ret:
h=5 m=5
